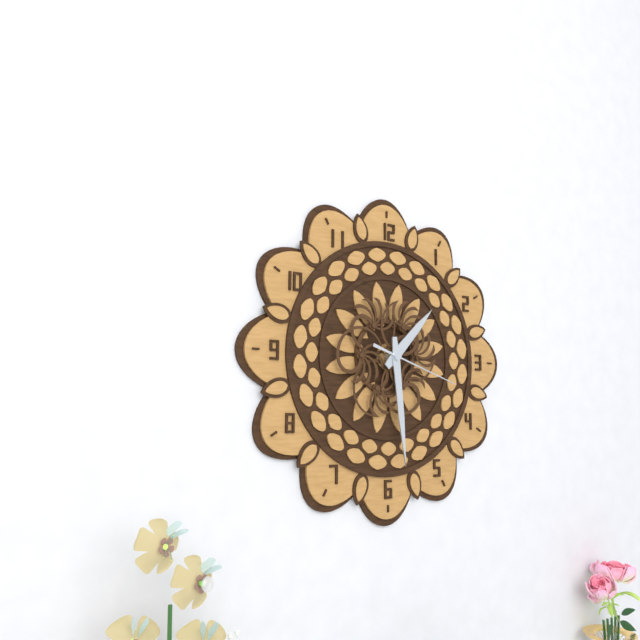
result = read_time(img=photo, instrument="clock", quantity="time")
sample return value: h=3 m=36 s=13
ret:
h=1 m=29 s=18
